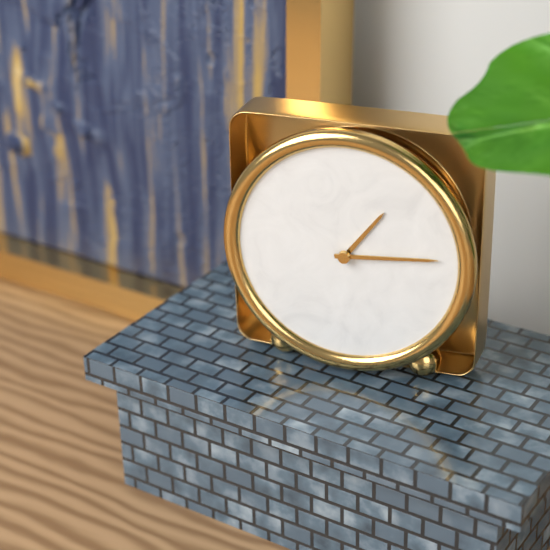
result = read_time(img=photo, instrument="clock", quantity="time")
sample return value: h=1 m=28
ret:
h=1 m=14
